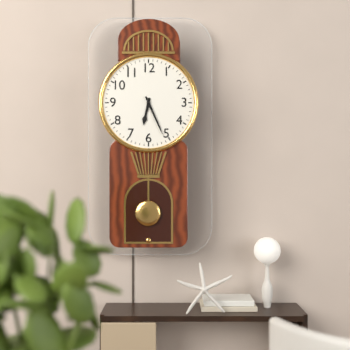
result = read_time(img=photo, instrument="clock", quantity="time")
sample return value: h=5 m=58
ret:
h=6 m=26
